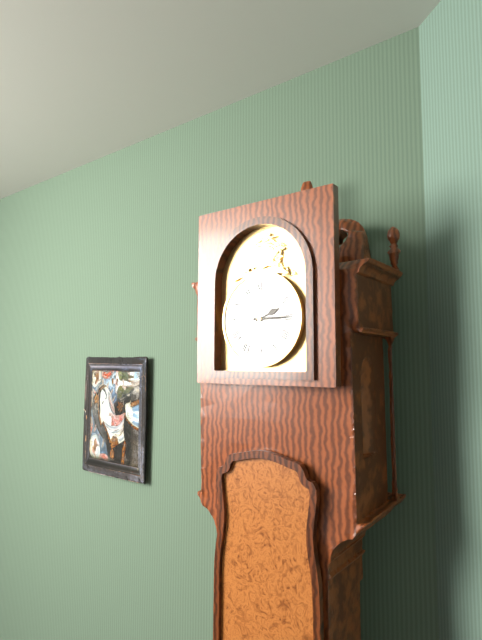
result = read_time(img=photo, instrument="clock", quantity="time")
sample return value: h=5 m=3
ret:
h=2 m=15
